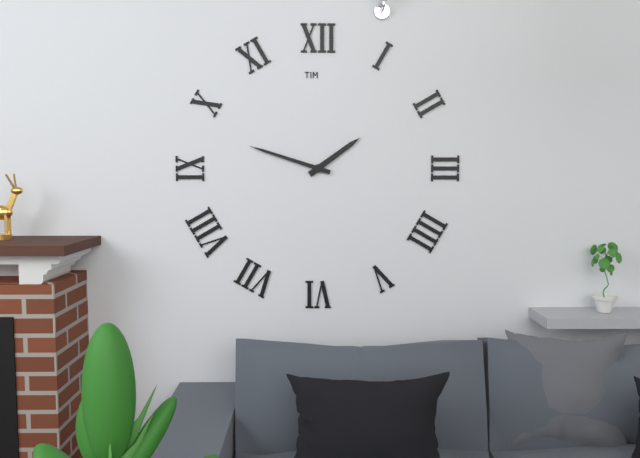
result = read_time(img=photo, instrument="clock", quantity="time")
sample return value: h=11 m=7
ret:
h=1 m=48
